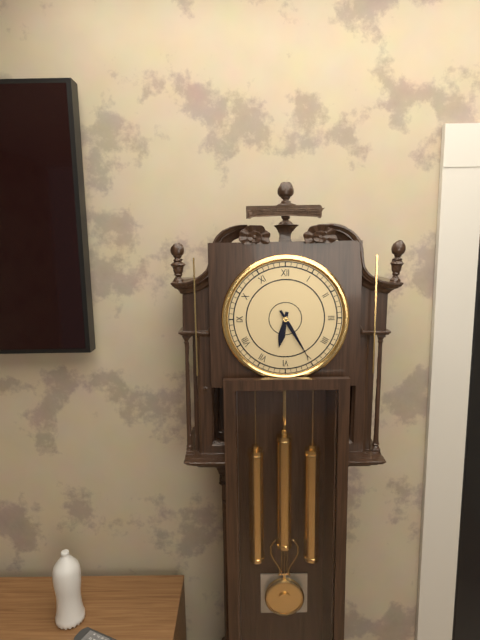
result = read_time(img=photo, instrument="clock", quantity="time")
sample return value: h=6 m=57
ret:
h=6 m=25
